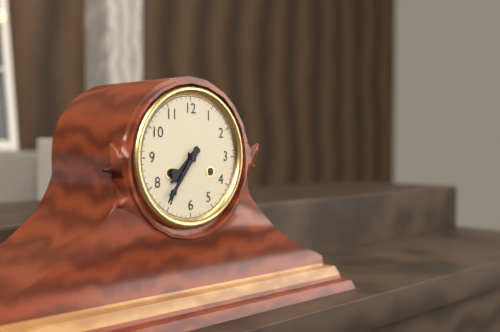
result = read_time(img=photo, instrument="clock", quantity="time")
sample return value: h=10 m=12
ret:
h=7 m=36
